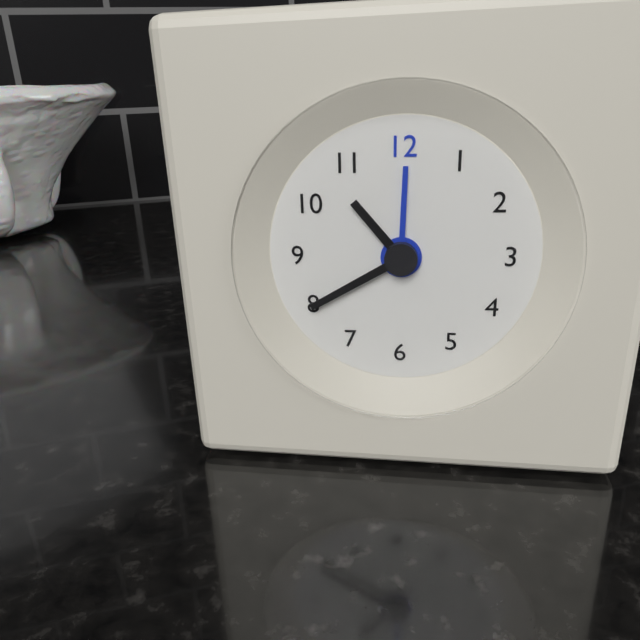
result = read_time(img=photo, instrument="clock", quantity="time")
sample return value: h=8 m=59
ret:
h=10 m=40
